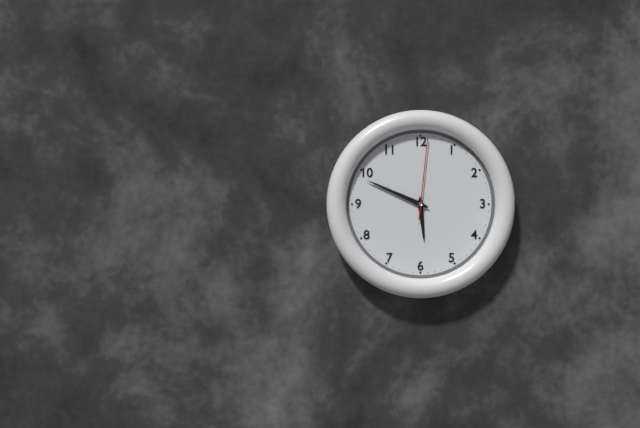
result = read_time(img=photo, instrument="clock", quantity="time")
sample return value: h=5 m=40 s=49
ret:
h=5 m=49 s=1
